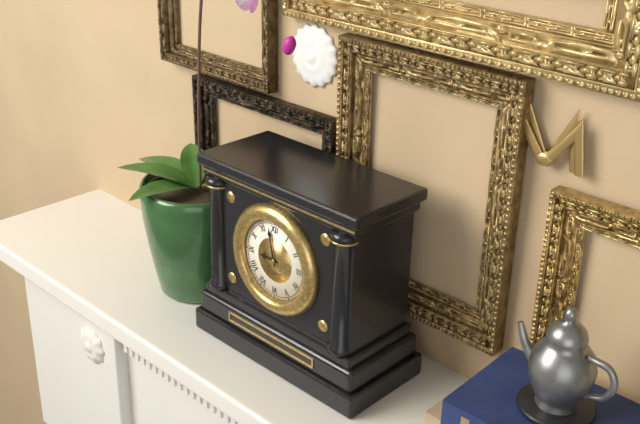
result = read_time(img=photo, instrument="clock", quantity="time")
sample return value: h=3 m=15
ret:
h=8 m=58
